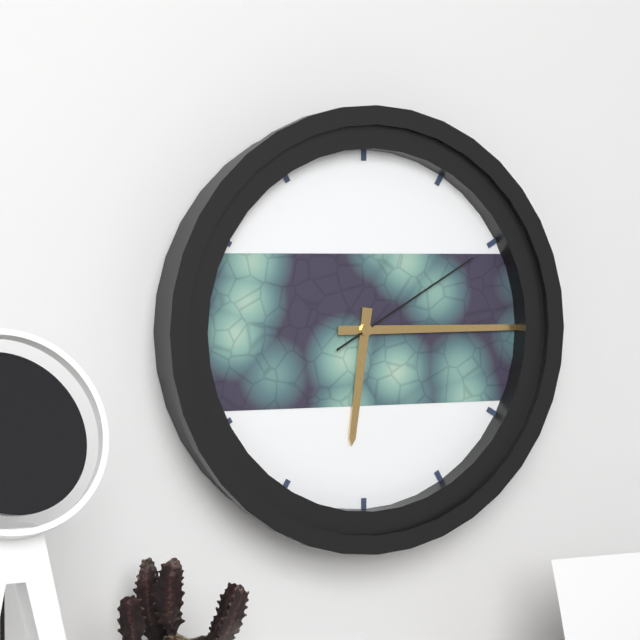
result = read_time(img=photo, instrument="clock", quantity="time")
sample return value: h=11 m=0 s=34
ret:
h=6 m=15 s=10
